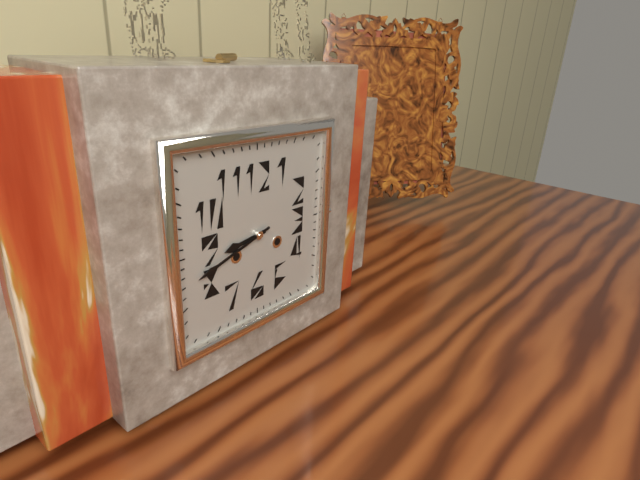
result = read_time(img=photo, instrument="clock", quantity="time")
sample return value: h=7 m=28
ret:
h=8 m=42
